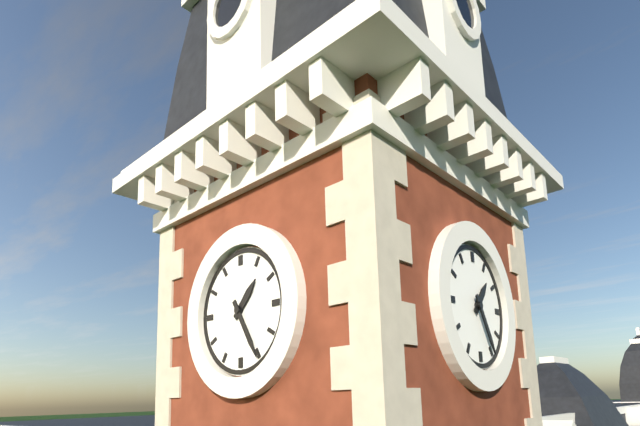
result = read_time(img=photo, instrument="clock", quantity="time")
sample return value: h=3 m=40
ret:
h=1 m=25
